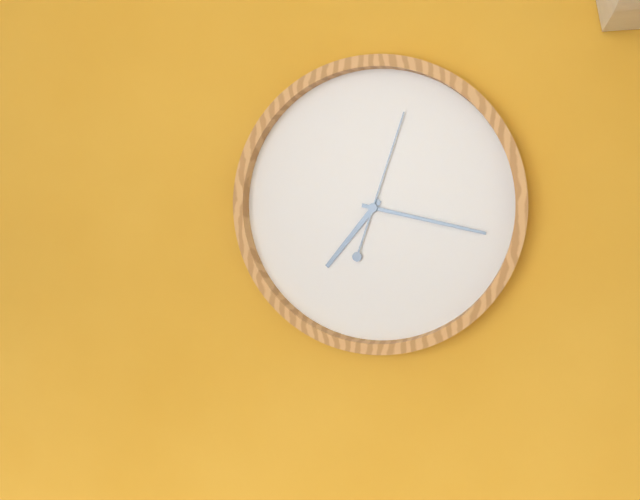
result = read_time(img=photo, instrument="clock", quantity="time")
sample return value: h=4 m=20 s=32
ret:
h=7 m=17 s=3
